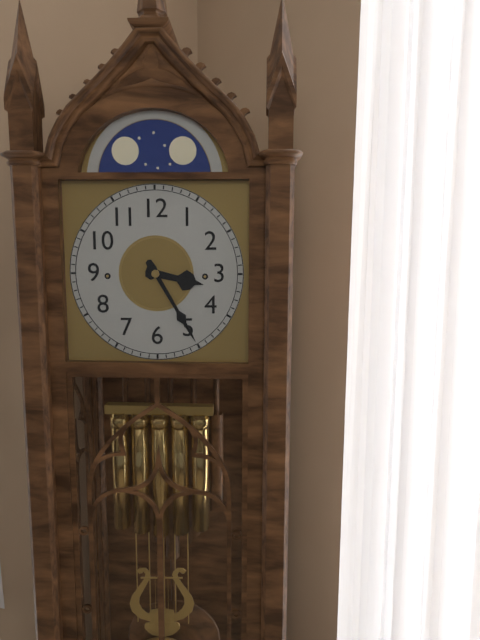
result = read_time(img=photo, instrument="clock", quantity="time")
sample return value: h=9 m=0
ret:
h=3 m=25
